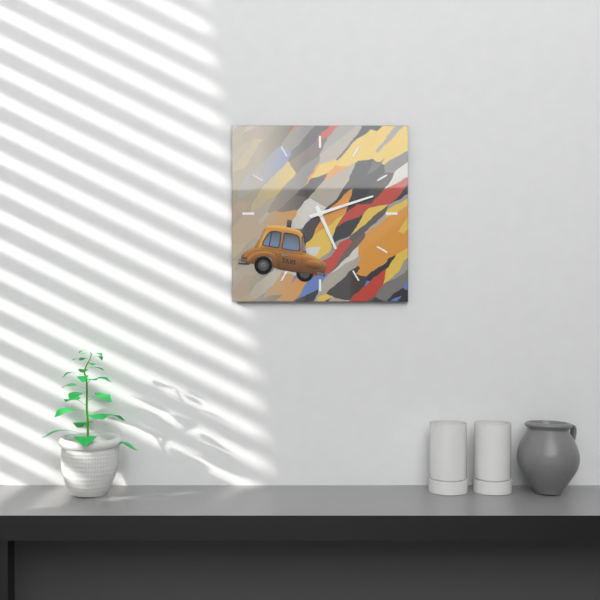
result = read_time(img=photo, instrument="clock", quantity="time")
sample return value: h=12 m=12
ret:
h=5 m=12
